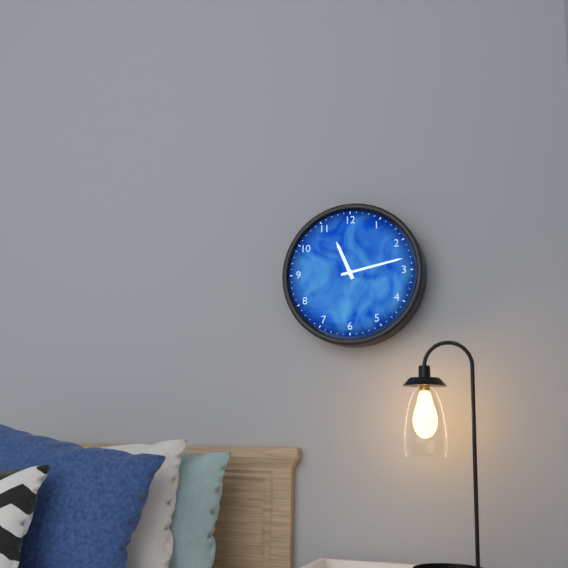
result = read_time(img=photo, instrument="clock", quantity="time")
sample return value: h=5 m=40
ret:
h=11 m=13
